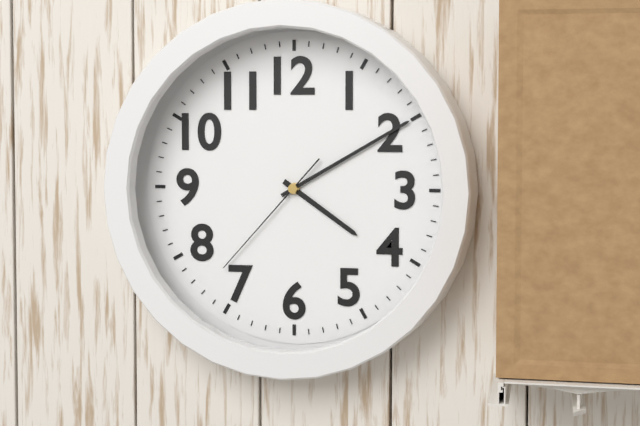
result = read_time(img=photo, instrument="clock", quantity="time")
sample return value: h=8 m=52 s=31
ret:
h=4 m=10 s=37
